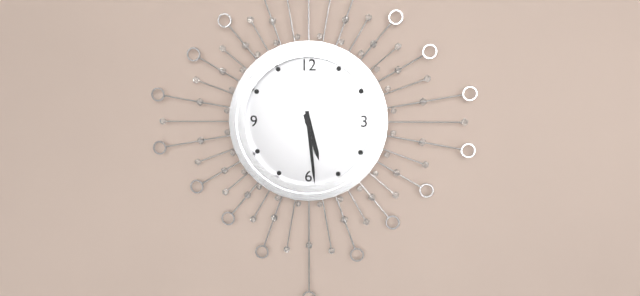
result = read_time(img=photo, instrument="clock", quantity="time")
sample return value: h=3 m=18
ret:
h=5 m=29
